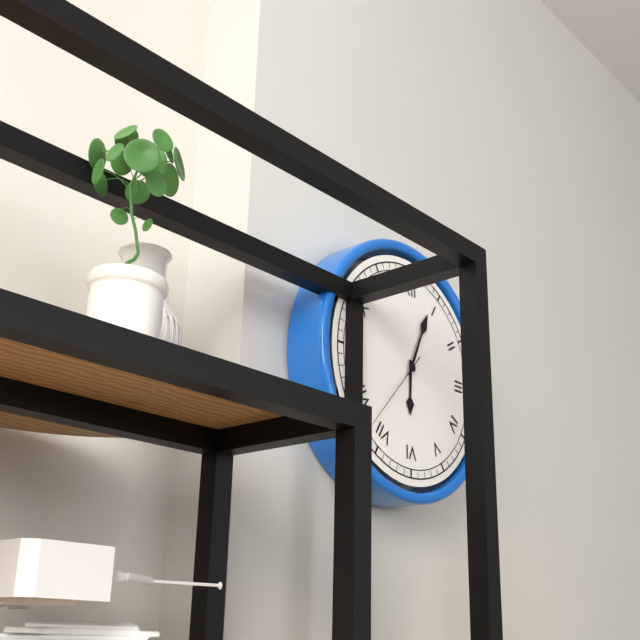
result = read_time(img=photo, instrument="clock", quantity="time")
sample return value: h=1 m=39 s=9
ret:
h=6 m=4 s=37
